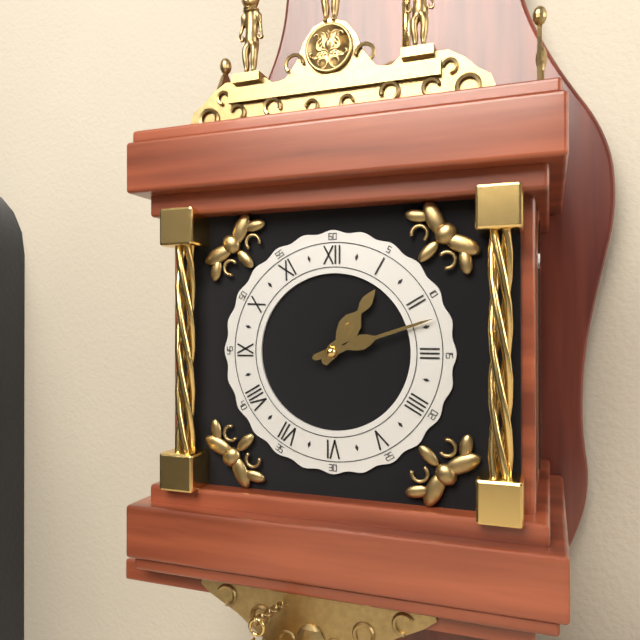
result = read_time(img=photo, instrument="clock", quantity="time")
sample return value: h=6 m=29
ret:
h=1 m=12
